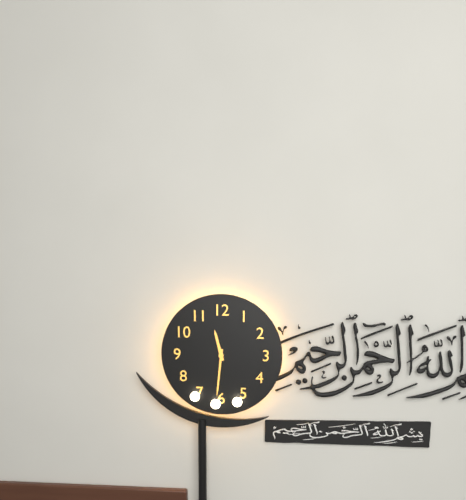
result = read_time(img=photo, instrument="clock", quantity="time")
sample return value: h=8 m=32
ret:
h=11 m=31
